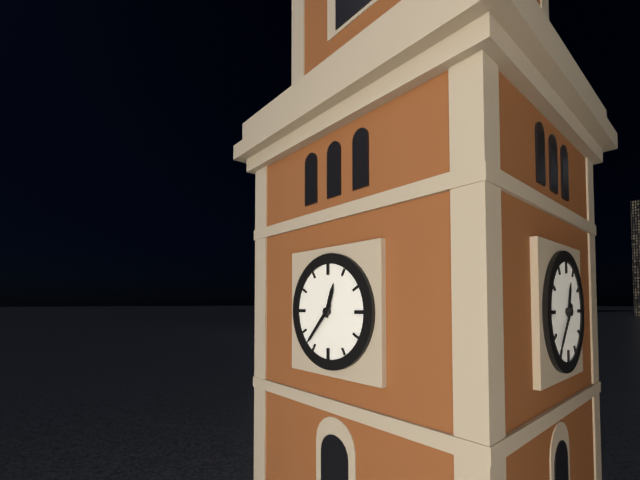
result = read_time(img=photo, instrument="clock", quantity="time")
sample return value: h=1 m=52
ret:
h=12 m=37
